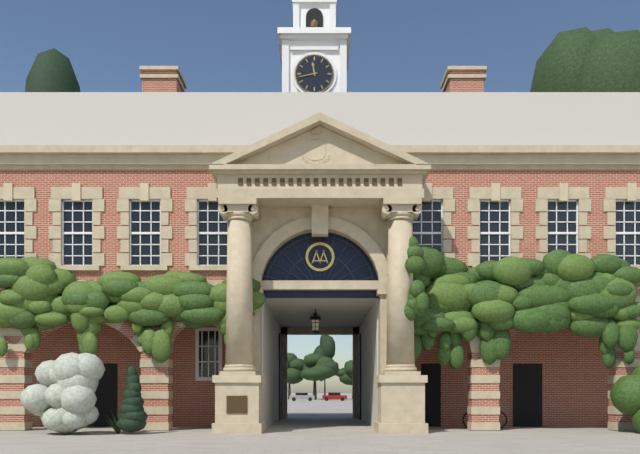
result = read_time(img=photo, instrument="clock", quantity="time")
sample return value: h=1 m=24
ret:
h=11 m=43
